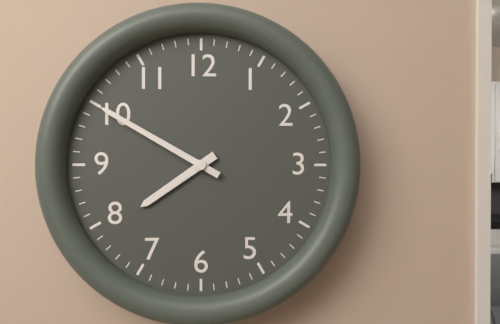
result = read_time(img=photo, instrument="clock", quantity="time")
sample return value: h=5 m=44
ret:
h=7 m=50
